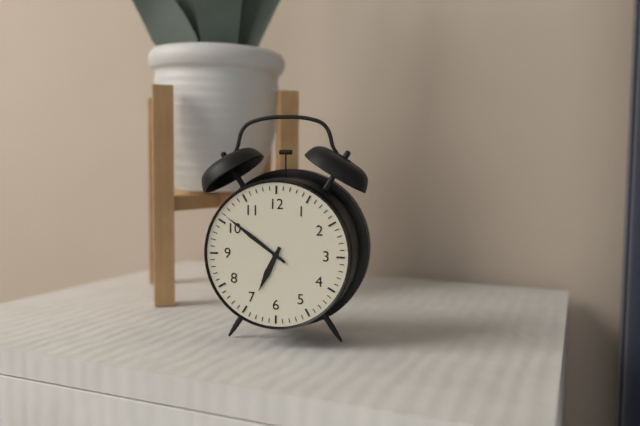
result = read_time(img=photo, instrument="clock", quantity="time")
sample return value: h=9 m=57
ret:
h=6 m=51
